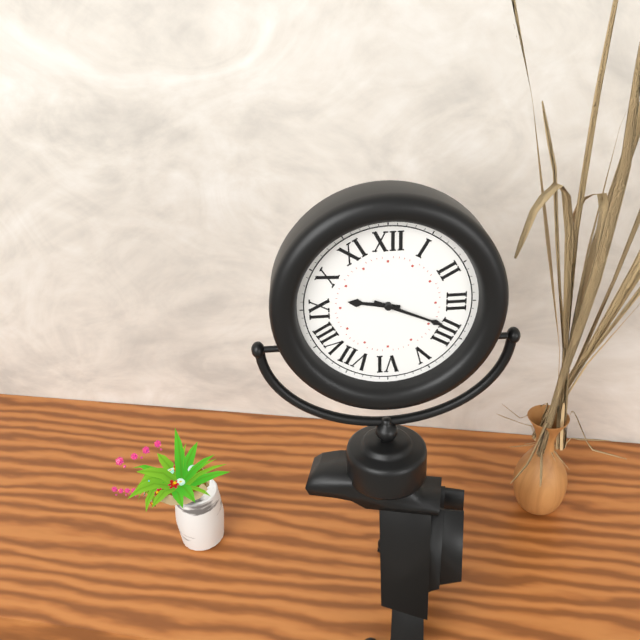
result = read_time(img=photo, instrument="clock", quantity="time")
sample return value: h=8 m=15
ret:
h=9 m=19
